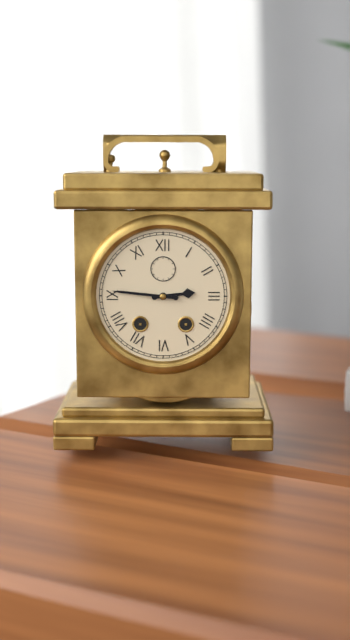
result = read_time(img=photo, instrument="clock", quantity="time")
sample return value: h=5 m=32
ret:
h=2 m=46
